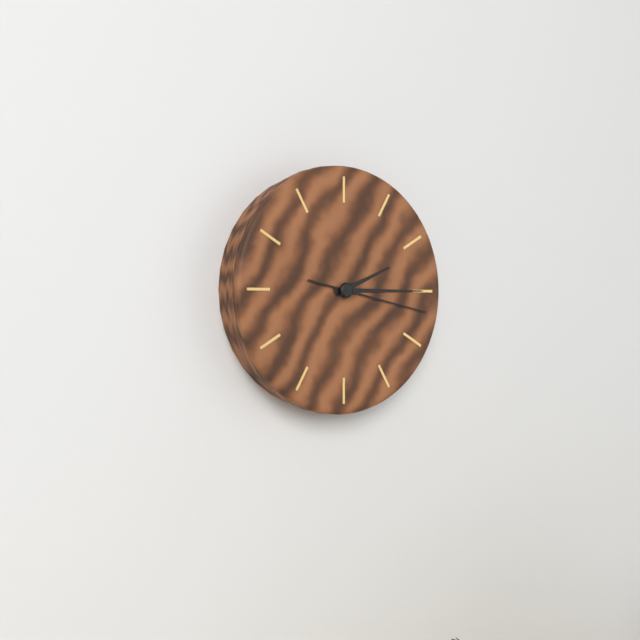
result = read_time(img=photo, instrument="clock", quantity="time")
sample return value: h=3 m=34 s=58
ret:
h=2 m=15 s=17
